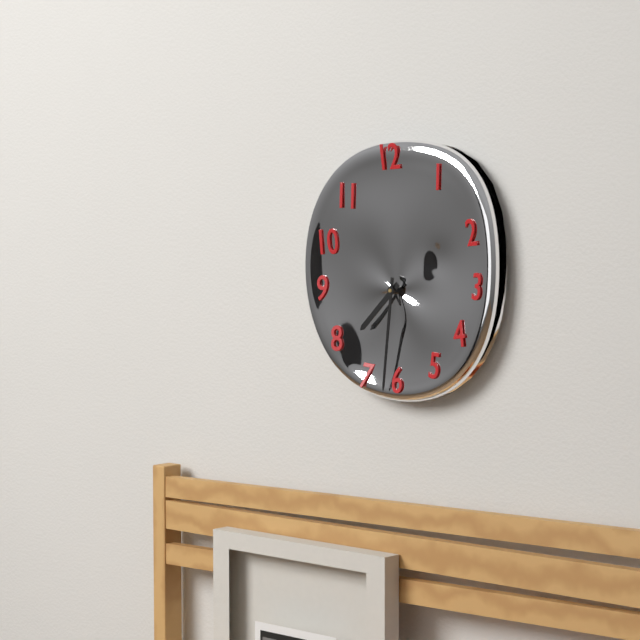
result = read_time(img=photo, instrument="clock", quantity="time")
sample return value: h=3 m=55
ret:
h=7 m=31
